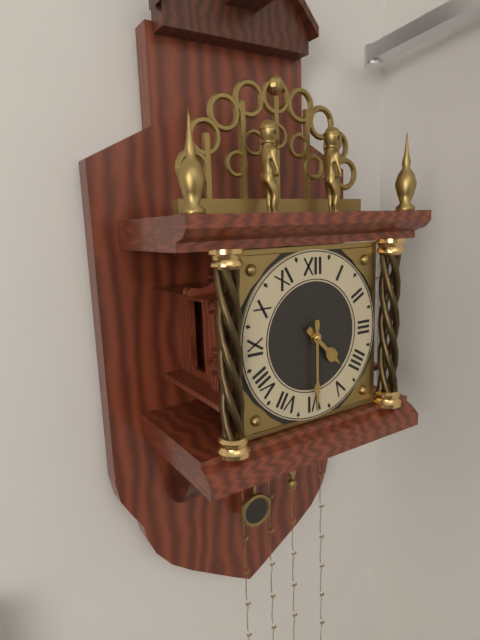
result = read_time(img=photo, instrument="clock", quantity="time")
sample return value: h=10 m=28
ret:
h=4 m=30
